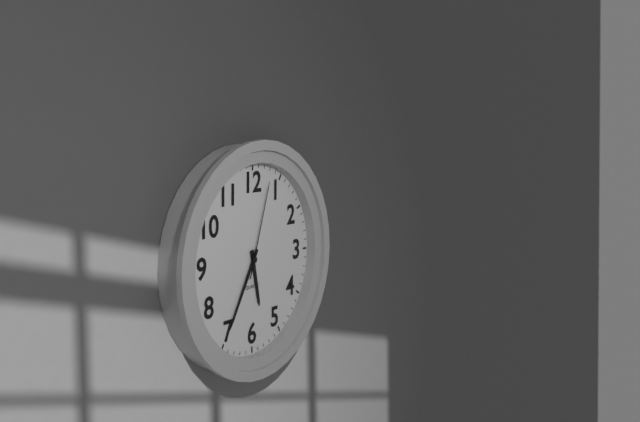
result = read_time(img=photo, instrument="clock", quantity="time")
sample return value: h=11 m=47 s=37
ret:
h=5 m=35 s=3
